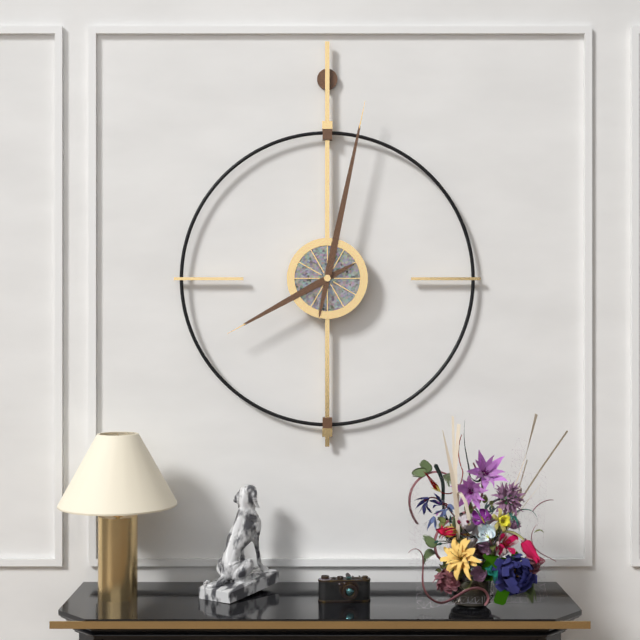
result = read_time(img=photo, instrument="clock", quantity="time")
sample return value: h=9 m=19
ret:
h=8 m=2
